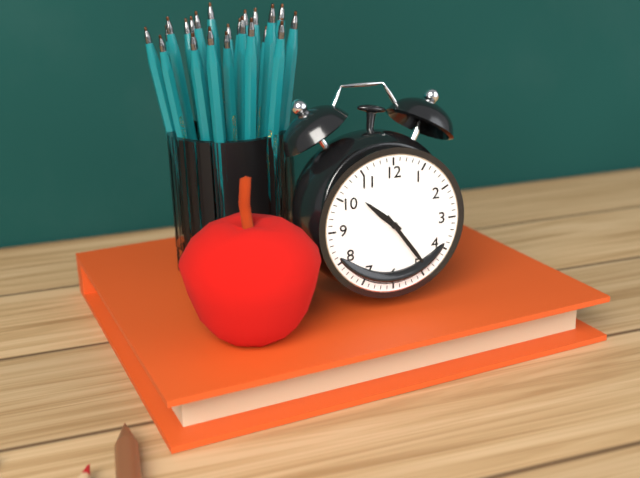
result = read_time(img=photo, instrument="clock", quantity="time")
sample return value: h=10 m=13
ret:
h=10 m=24
